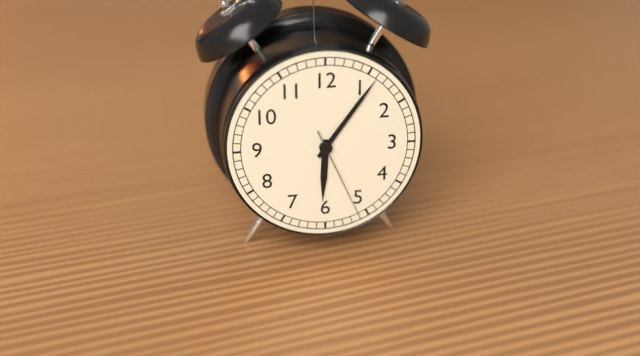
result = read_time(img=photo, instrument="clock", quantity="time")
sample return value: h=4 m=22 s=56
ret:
h=6 m=6 s=26
